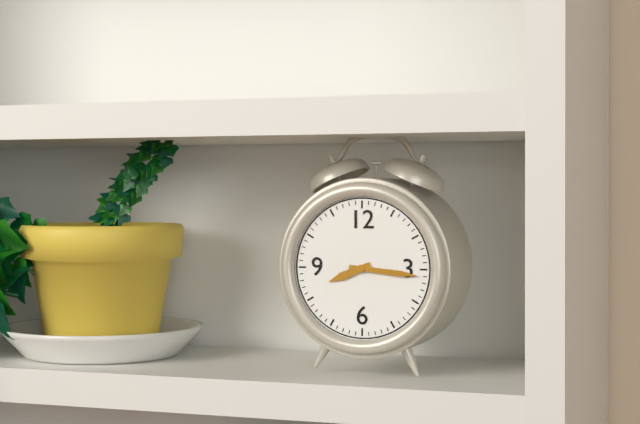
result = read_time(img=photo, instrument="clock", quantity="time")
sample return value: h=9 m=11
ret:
h=8 m=16
